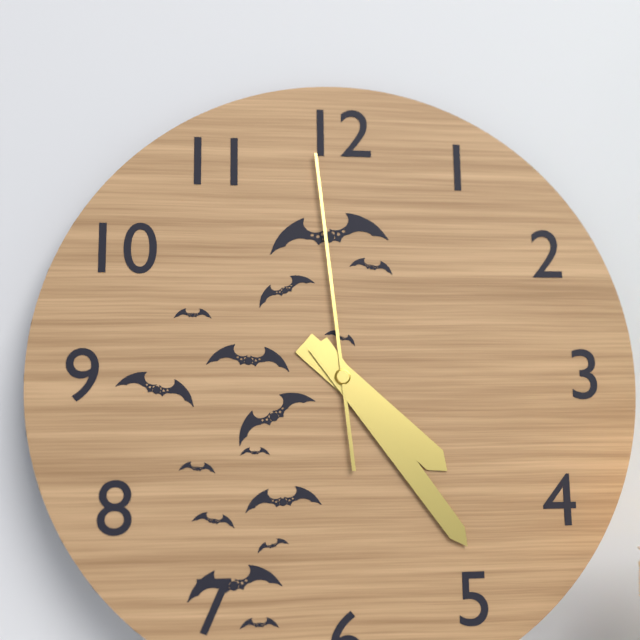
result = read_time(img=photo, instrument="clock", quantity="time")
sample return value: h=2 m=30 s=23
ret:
h=4 m=24 s=59
